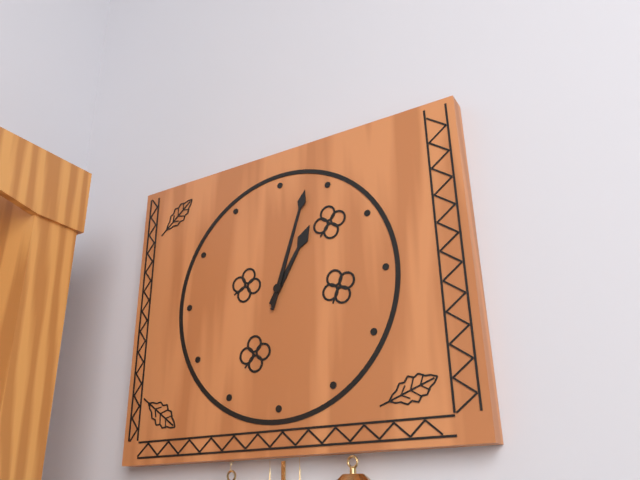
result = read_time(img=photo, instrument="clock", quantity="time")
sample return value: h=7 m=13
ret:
h=1 m=3
